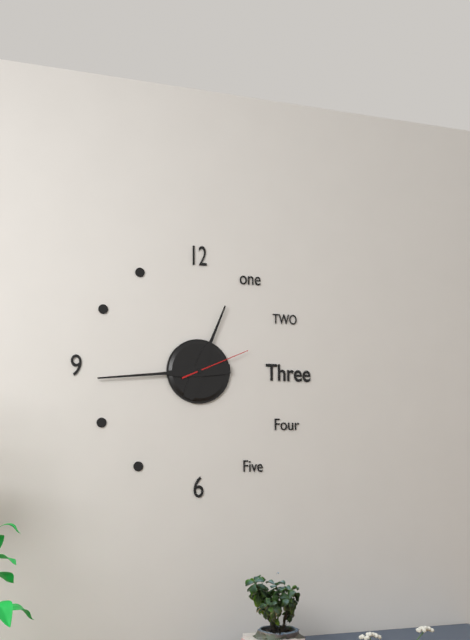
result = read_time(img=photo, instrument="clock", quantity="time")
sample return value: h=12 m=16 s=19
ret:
h=12 m=44 s=11
